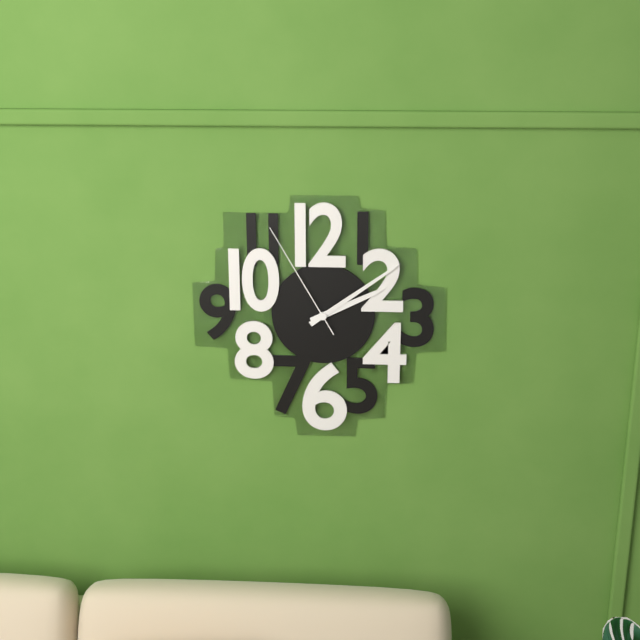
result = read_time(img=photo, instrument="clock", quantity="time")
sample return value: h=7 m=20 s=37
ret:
h=2 m=9 s=55
